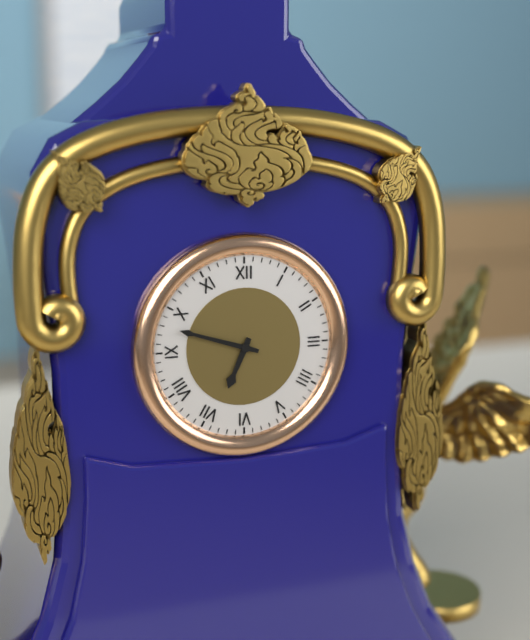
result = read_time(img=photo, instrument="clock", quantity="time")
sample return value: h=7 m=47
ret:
h=6 m=48
